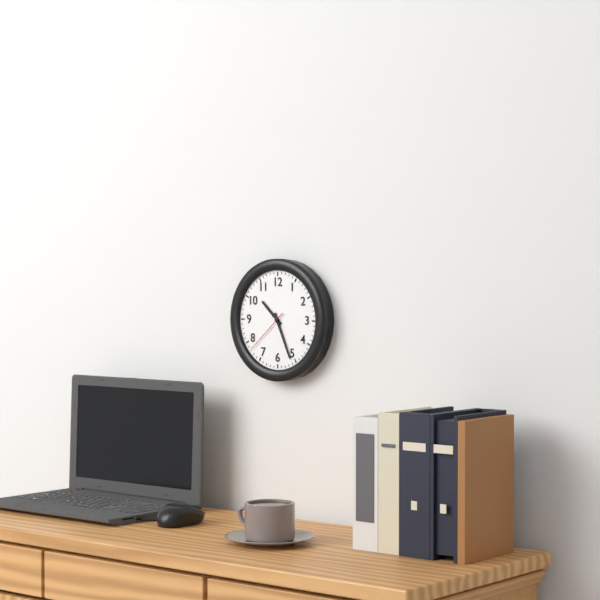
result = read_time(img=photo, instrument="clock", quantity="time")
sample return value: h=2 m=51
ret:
h=10 m=26
